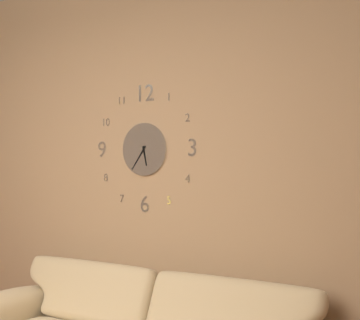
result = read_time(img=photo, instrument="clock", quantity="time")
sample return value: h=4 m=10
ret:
h=5 m=36
